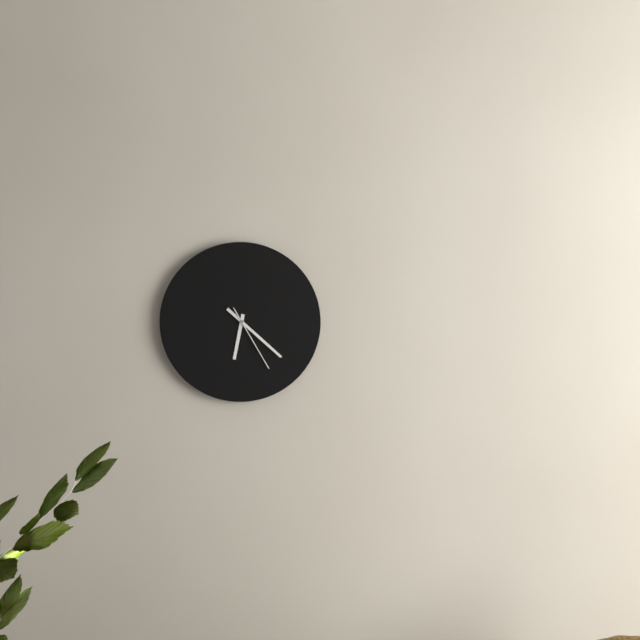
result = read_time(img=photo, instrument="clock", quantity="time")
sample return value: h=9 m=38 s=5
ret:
h=6 m=22 s=25
